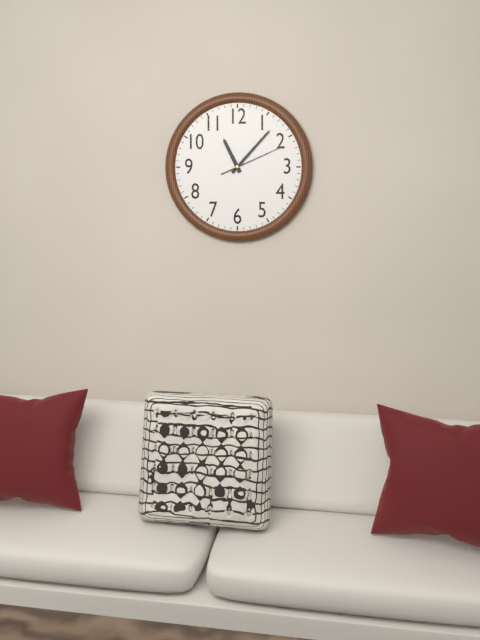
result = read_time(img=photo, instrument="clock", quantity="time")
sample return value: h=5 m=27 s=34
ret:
h=11 m=7 s=11
